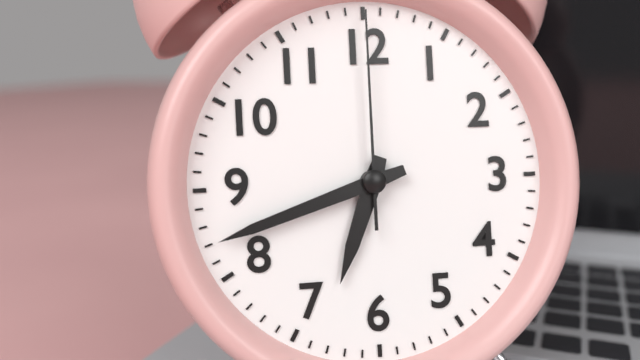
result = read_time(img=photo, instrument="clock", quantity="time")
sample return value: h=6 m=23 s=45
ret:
h=6 m=42 s=0
